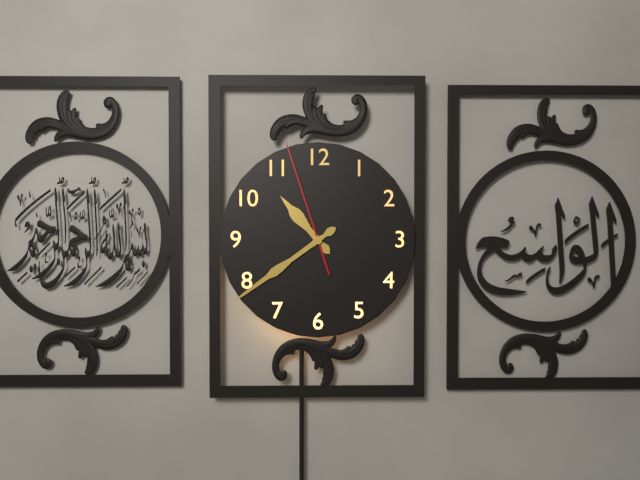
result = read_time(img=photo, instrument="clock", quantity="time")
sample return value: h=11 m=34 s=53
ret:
h=10 m=39 s=57
